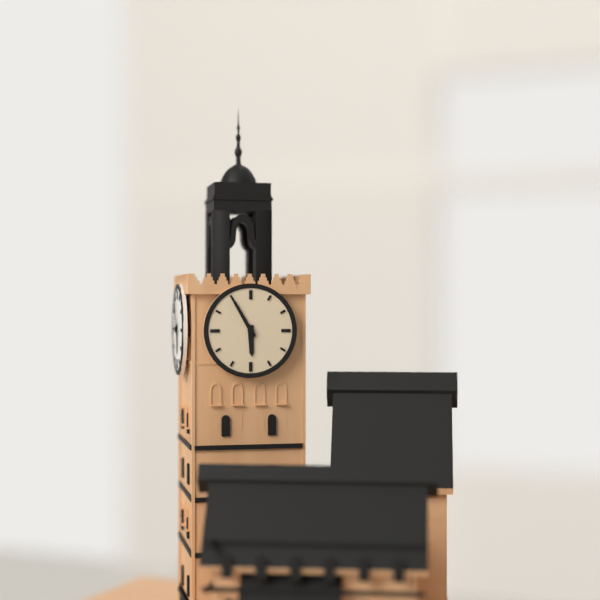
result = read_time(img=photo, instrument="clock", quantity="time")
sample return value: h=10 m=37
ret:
h=5 m=55
